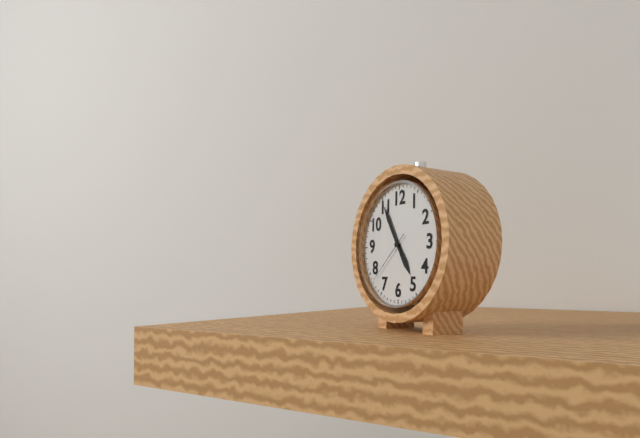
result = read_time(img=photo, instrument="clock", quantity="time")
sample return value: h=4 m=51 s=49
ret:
h=4 m=55 s=38
